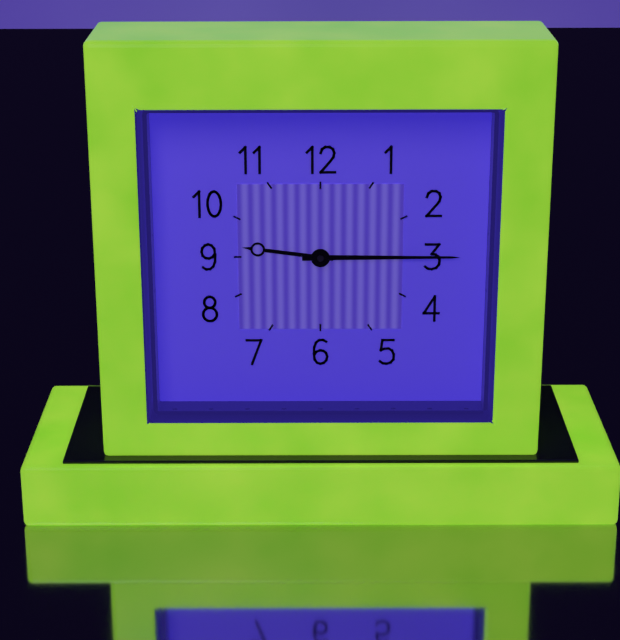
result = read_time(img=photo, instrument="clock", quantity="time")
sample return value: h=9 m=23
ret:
h=9 m=15
